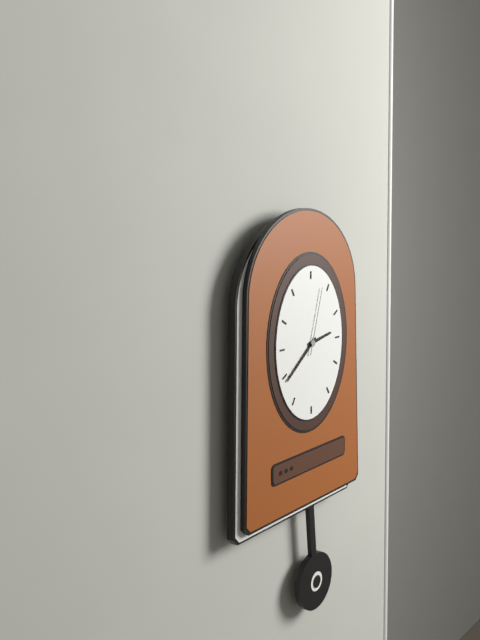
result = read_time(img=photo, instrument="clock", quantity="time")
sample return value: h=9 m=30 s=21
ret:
h=2 m=39 s=3
